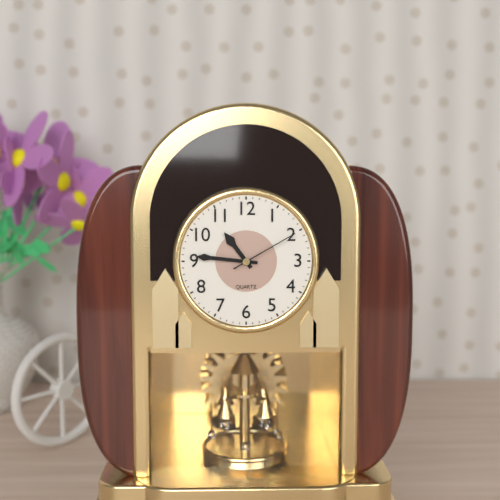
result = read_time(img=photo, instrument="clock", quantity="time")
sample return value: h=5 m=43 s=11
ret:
h=10 m=46 s=10
